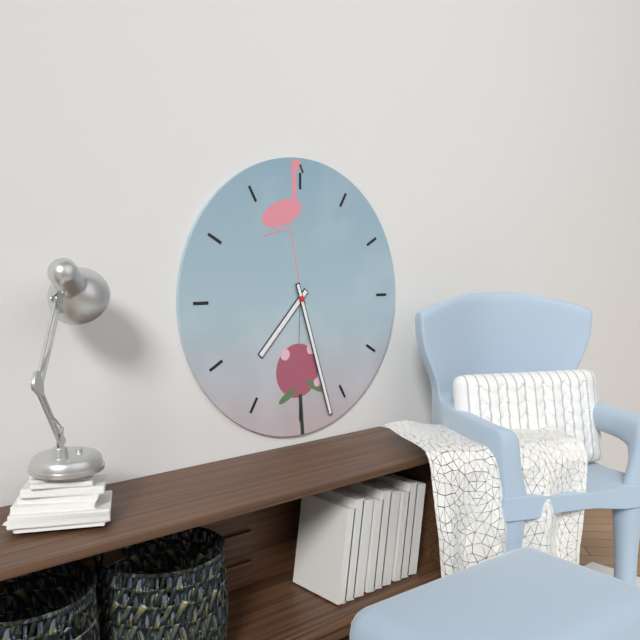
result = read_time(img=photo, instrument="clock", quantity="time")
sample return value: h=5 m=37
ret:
h=7 m=27
